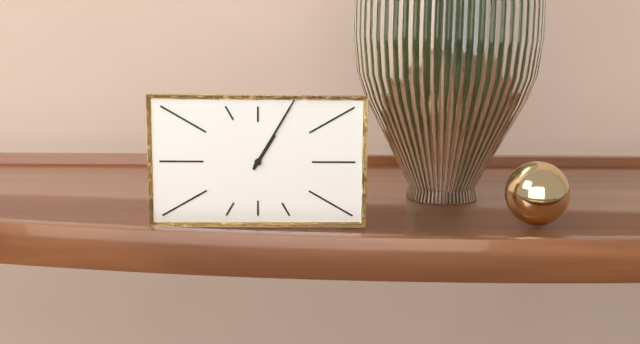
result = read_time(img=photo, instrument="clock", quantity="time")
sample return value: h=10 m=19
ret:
h=1 m=5
